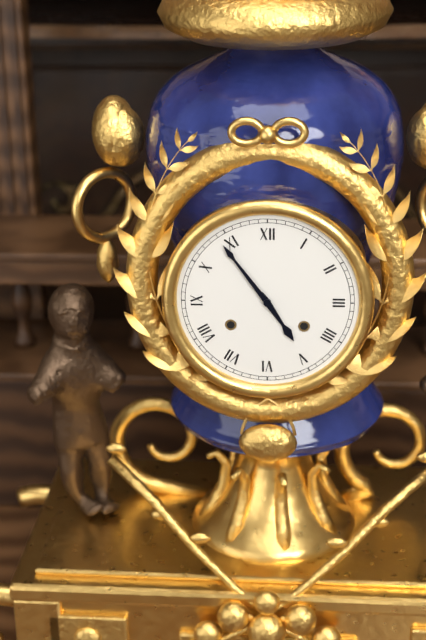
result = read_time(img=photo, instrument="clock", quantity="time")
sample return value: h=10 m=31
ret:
h=4 m=54
